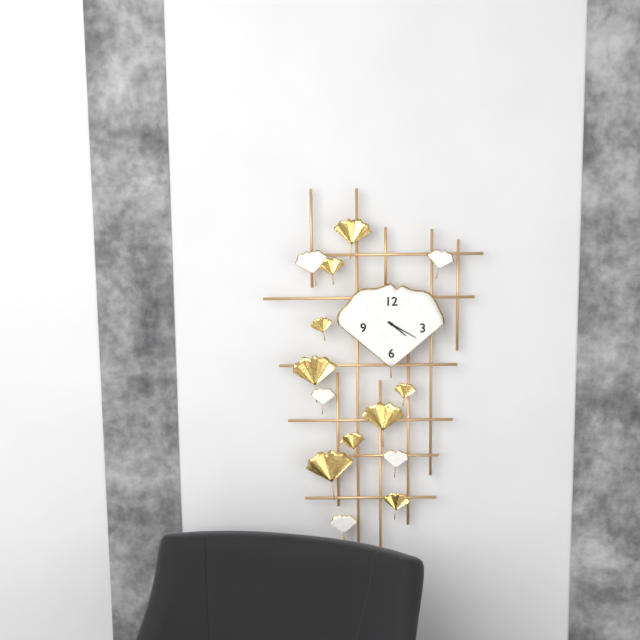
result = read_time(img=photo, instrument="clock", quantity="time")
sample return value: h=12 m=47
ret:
h=4 m=20
